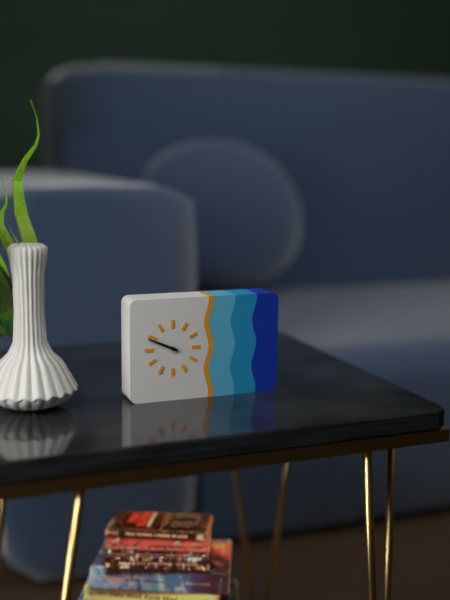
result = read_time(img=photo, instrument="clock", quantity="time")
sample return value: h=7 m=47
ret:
h=9 m=49
